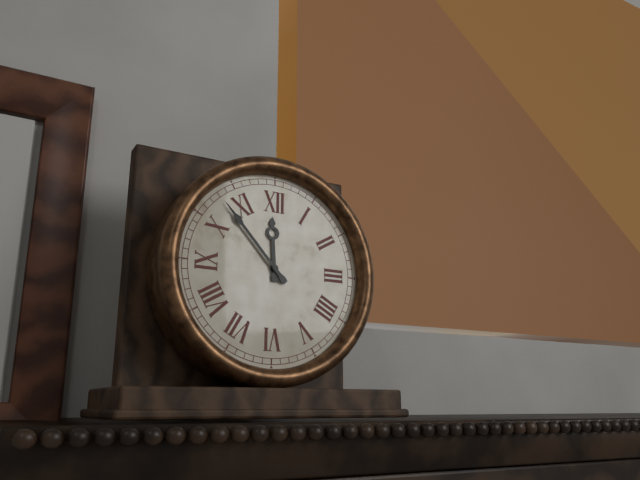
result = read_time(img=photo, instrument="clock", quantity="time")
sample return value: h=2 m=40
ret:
h=11 m=53
